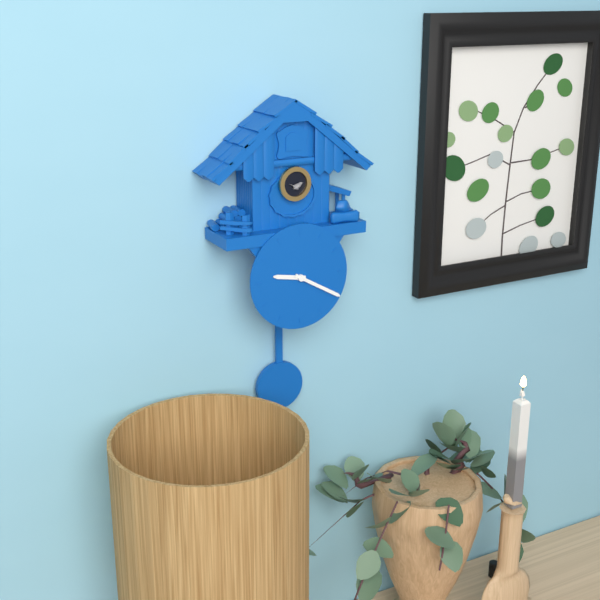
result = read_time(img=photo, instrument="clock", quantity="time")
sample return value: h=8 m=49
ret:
h=9 m=20
